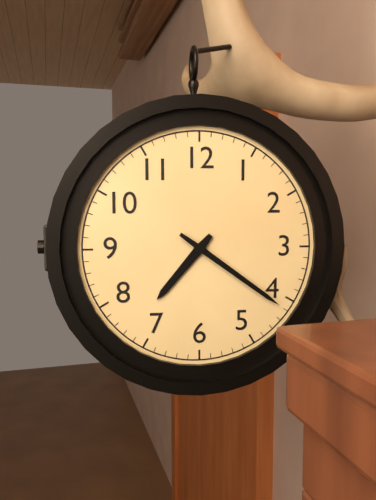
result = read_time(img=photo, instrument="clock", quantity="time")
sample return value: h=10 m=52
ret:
h=7 m=21
